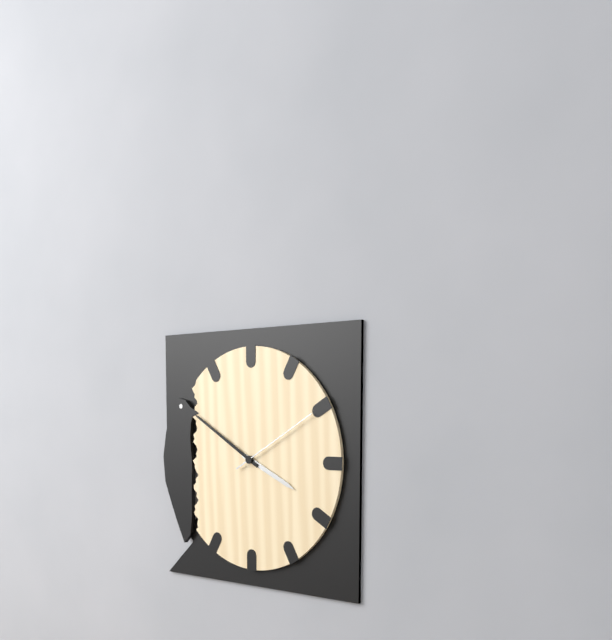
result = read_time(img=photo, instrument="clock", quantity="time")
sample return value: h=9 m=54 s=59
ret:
h=3 m=50 s=10
